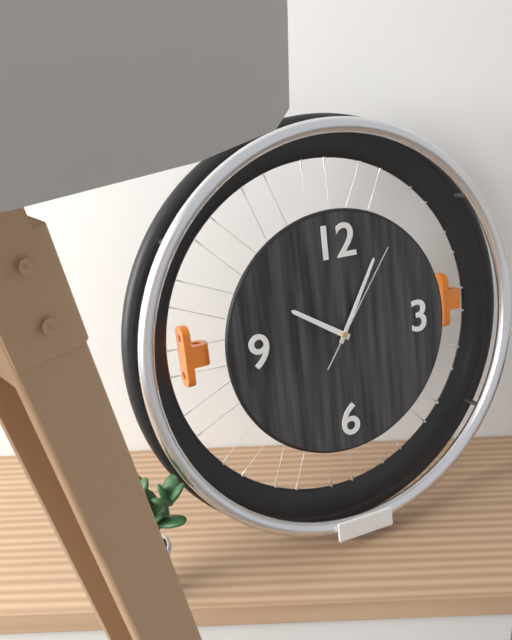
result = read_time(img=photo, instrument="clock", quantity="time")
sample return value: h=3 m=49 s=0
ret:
h=10 m=5 s=6
